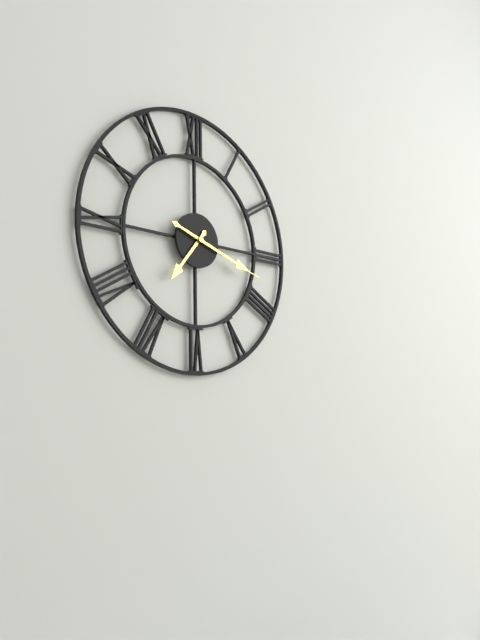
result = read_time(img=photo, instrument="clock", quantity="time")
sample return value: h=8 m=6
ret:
h=7 m=18
